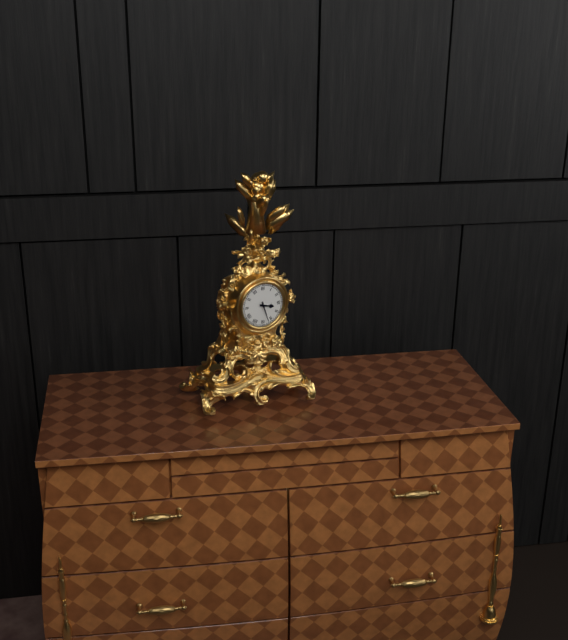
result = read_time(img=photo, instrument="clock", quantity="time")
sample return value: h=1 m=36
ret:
h=3 m=27
